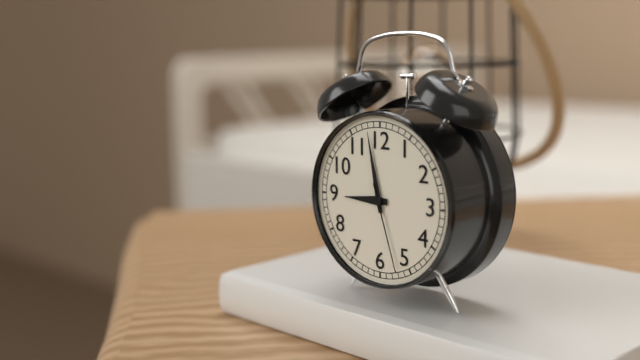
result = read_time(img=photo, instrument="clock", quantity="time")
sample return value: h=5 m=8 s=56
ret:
h=8 m=58 s=27
